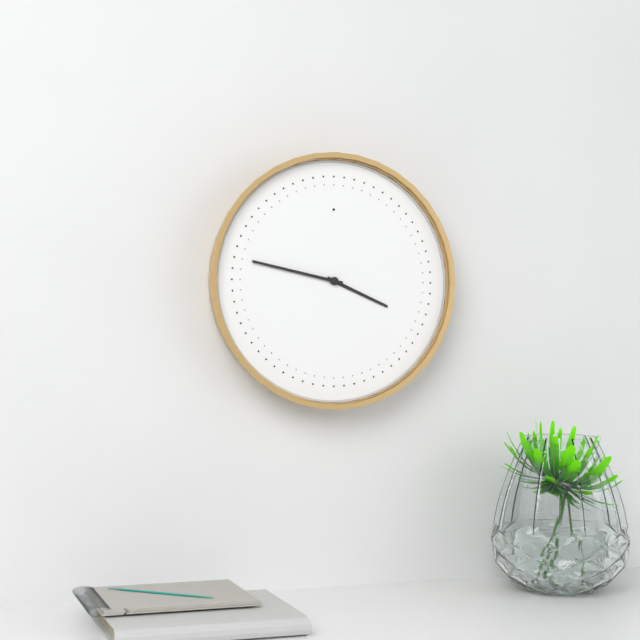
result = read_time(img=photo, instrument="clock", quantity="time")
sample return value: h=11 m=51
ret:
h=3 m=47
